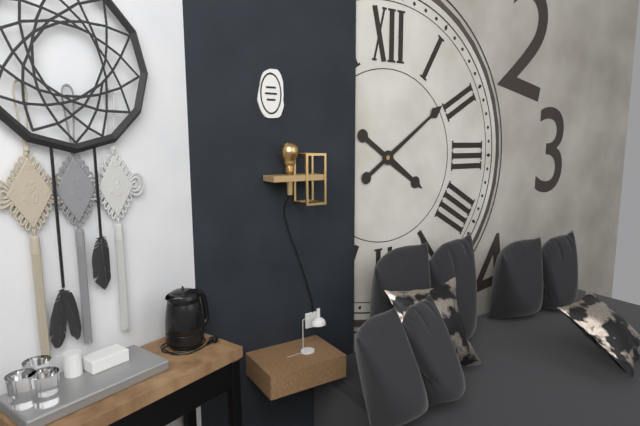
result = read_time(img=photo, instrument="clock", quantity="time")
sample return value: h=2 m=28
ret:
h=4 m=9
